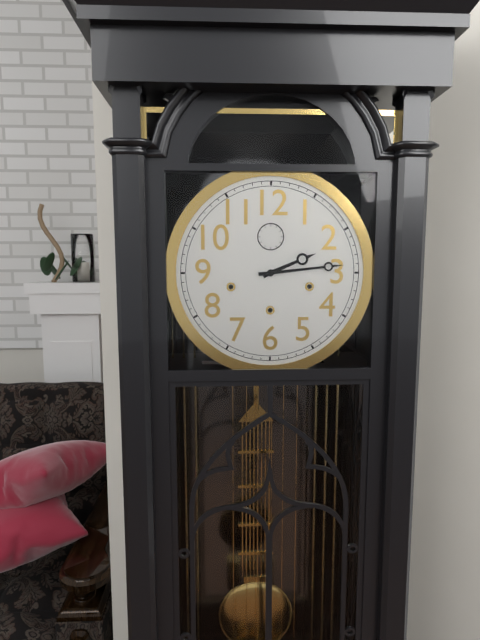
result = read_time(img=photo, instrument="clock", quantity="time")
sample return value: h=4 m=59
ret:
h=2 m=14
